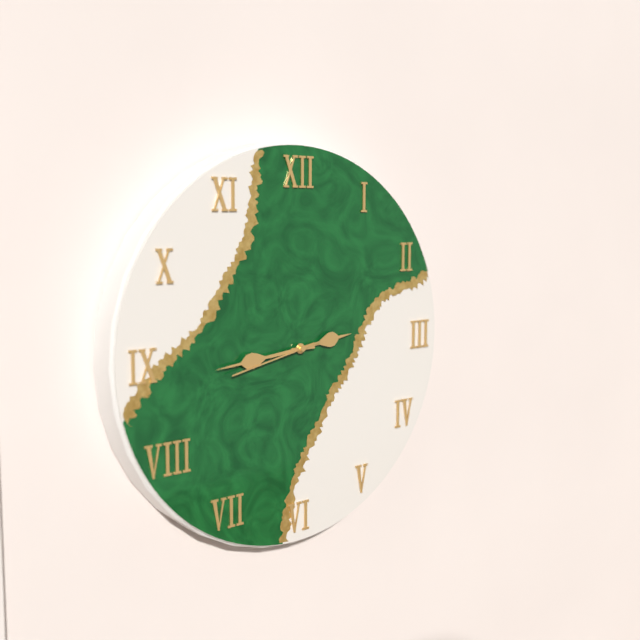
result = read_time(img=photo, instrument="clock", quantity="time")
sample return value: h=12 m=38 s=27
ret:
h=2 m=44 s=43
